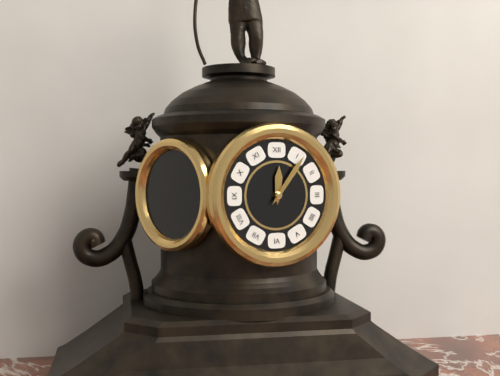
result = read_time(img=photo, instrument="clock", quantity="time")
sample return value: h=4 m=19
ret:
h=12 m=6
